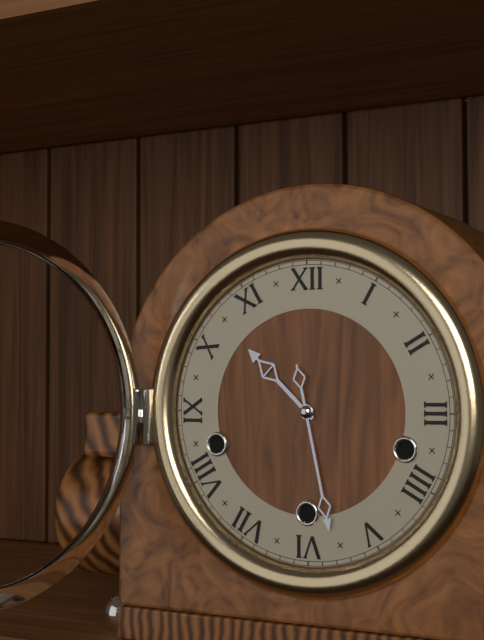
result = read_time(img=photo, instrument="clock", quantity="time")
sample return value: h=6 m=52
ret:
h=10 m=28
